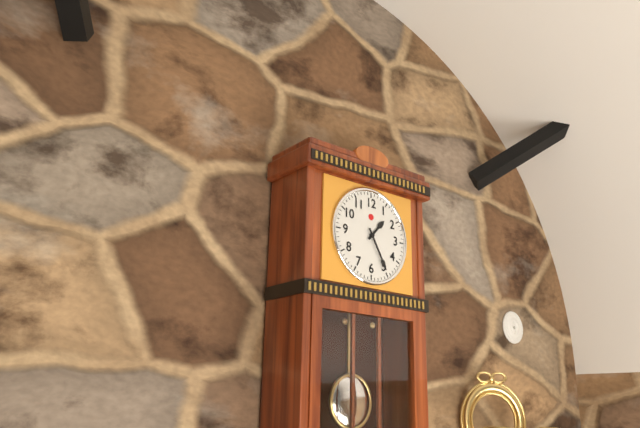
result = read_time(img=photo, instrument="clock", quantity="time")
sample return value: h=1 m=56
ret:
h=1 m=25
